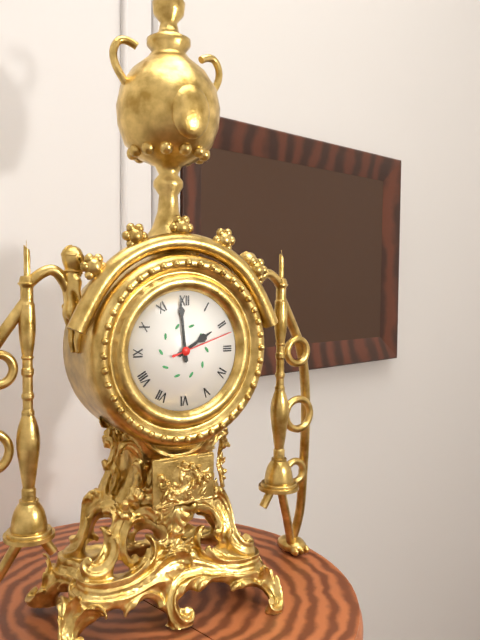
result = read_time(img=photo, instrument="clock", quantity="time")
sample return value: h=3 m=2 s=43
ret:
h=1 m=59 s=12
